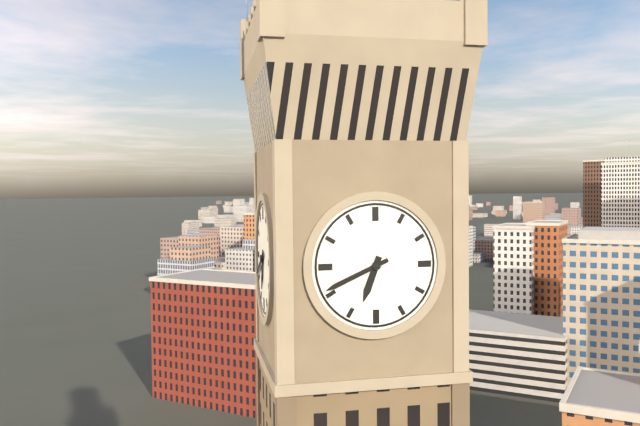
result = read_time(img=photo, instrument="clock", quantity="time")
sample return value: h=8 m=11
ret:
h=6 m=41
